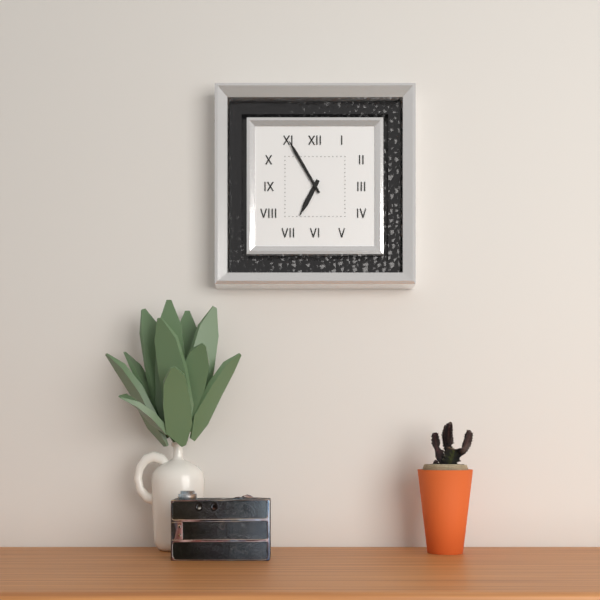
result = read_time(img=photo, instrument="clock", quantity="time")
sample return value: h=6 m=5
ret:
h=6 m=55
